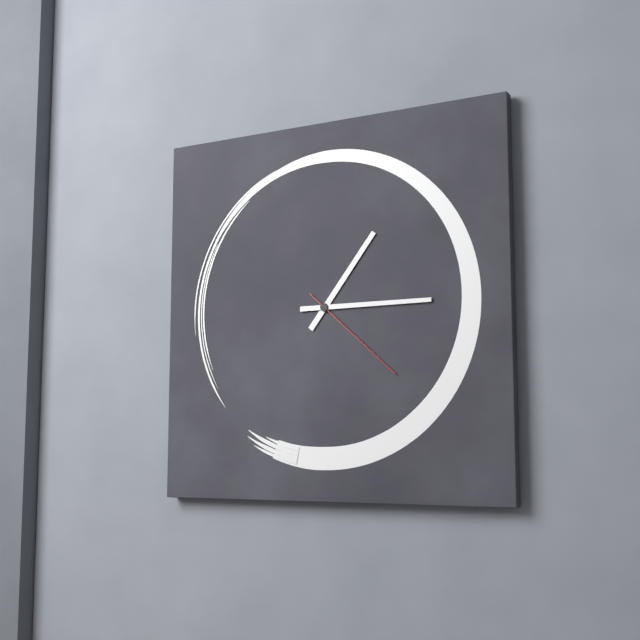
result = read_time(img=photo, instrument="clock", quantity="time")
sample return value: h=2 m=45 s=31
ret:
h=1 m=15 s=22
